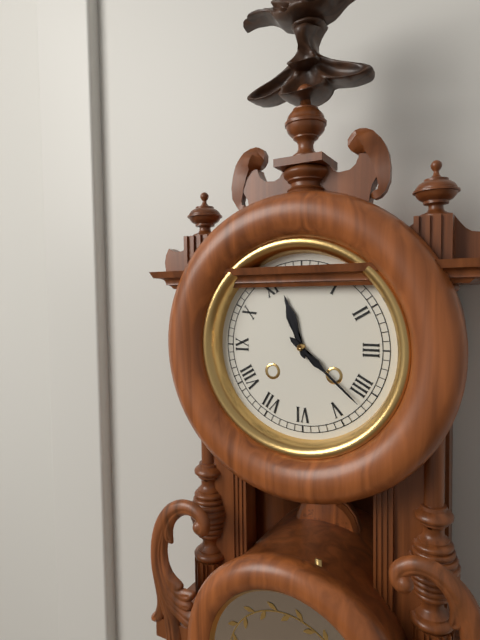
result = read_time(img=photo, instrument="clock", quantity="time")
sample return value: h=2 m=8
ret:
h=11 m=22
